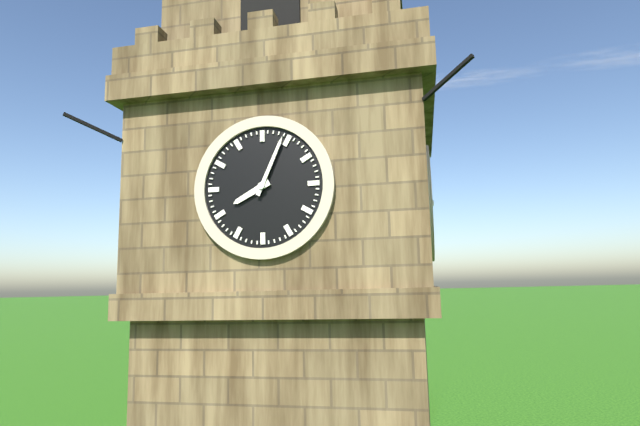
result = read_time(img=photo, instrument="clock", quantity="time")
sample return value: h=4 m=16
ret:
h=8 m=4
